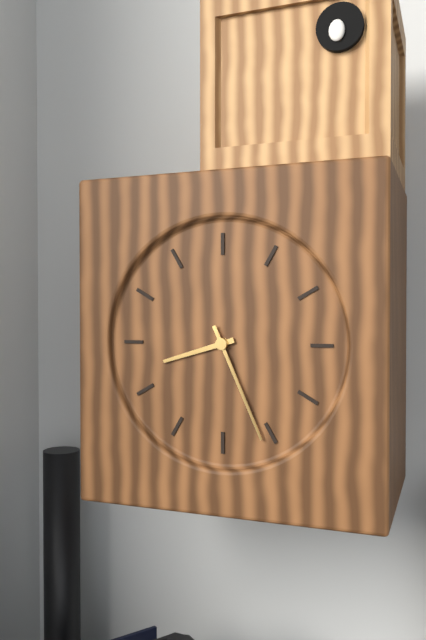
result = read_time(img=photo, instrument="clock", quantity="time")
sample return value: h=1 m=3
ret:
h=8 m=26
